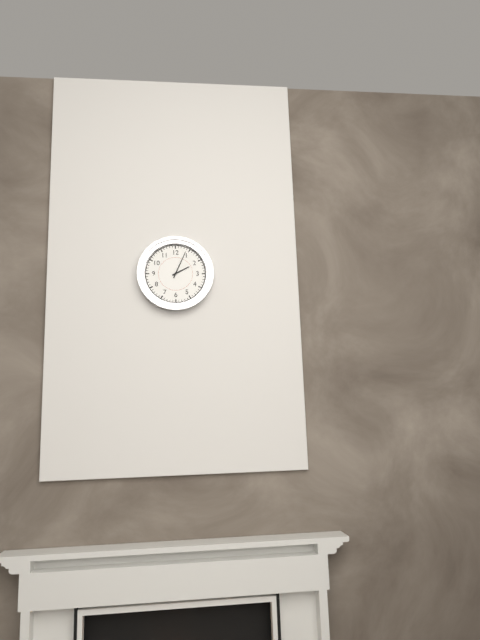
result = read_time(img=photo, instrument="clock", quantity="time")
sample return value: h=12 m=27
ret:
h=2 m=4
